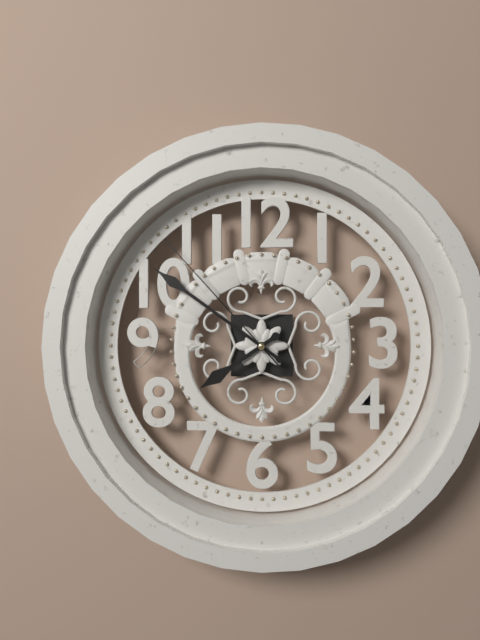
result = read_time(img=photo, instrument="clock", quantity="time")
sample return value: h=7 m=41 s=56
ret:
h=7 m=51 s=53
